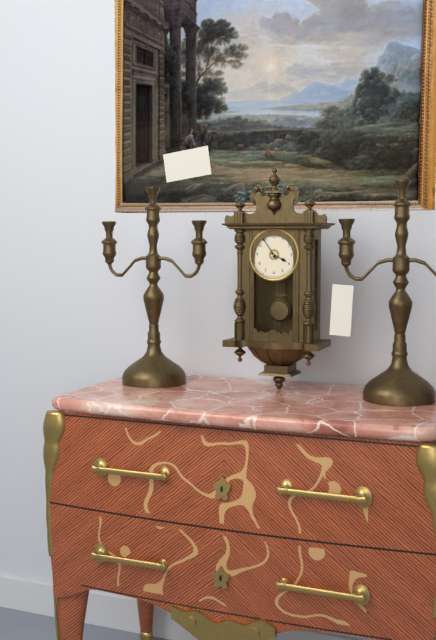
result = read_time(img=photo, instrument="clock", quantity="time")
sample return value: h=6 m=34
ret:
h=3 m=54
